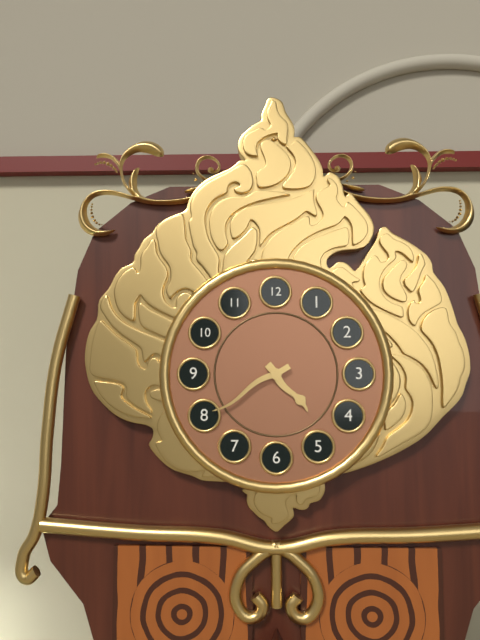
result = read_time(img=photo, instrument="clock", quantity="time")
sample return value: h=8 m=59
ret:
h=4 m=40
